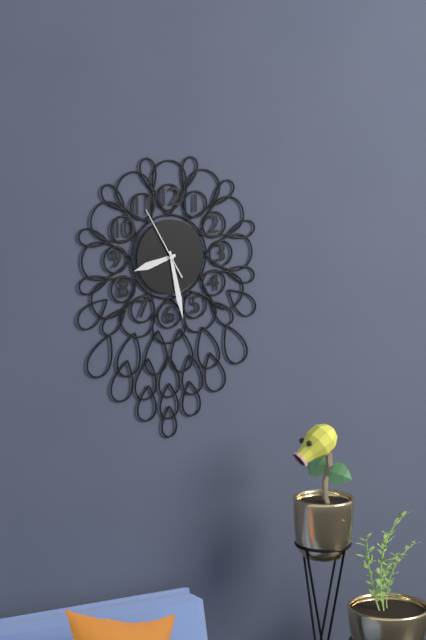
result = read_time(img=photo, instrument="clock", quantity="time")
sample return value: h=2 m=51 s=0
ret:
h=8 m=28 s=55
